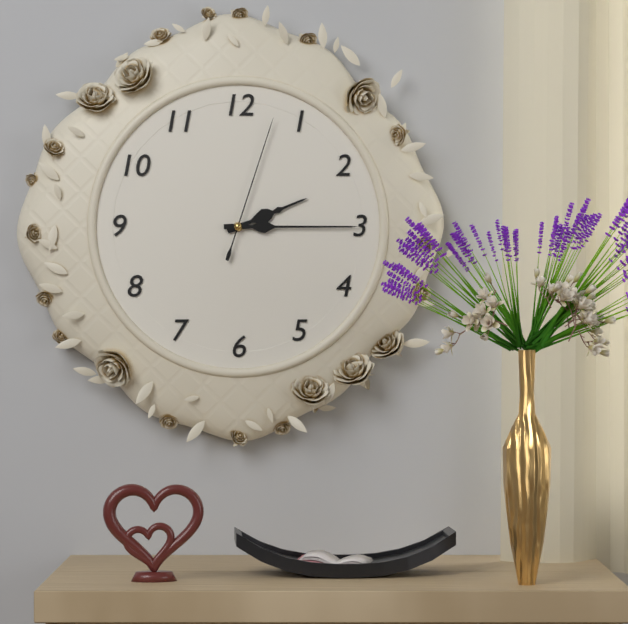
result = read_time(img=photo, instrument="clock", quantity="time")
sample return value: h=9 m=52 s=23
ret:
h=2 m=15 s=3
